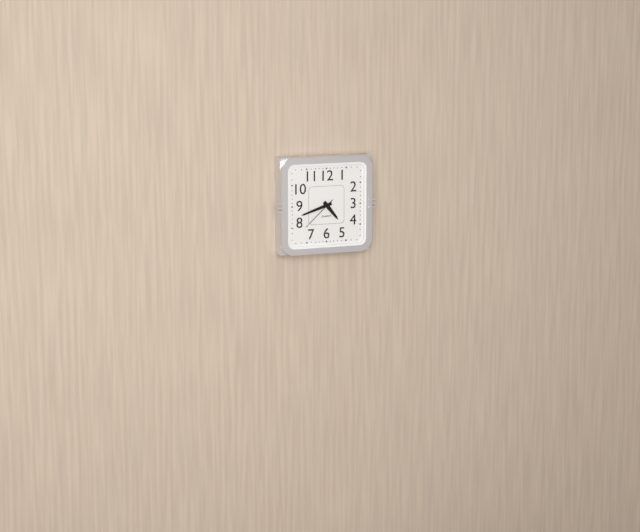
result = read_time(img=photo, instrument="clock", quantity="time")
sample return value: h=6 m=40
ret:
h=4 m=42
